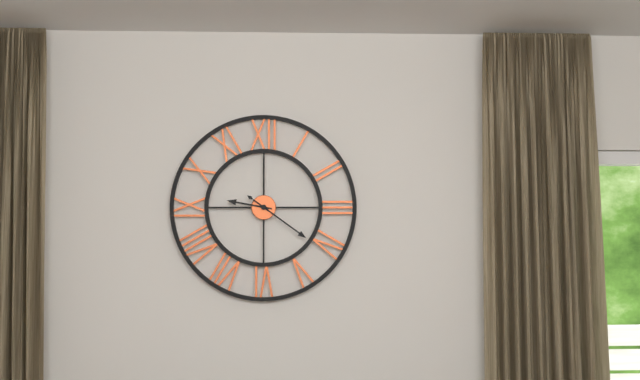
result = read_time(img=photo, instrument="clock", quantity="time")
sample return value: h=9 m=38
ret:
h=9 m=21
